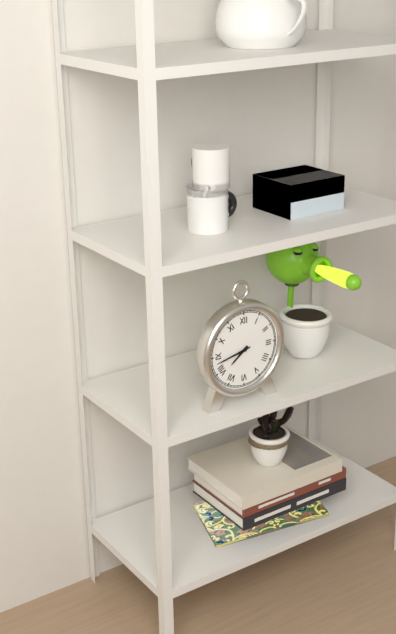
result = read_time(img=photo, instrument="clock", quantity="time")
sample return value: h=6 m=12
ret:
h=7 m=43
